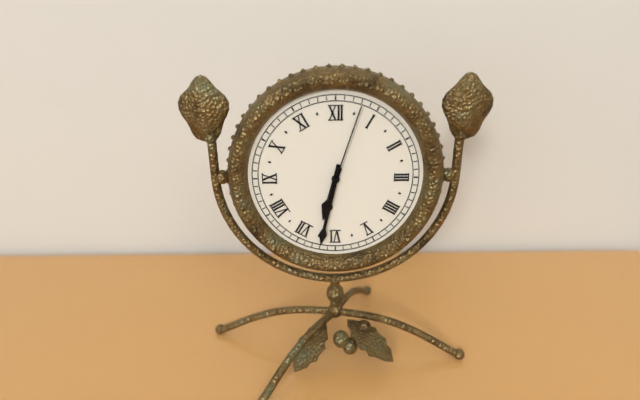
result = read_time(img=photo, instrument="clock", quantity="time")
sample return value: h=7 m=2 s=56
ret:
h=6 m=32 s=3
